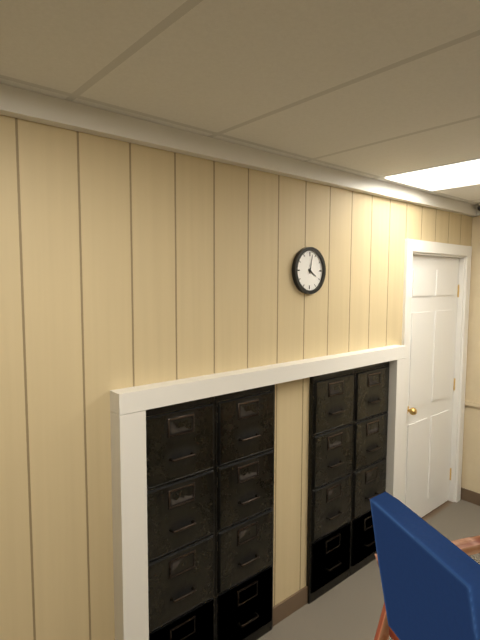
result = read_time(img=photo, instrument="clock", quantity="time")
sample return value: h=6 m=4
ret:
h=4 m=2
